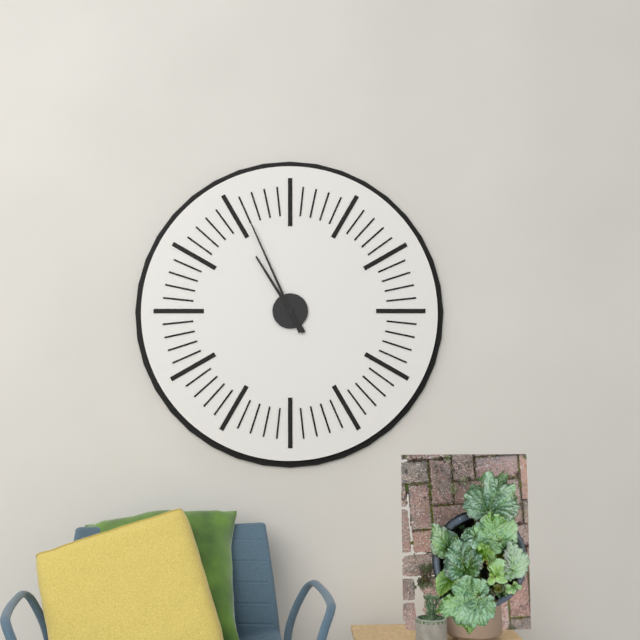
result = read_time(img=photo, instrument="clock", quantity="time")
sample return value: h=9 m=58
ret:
h=10 m=56
